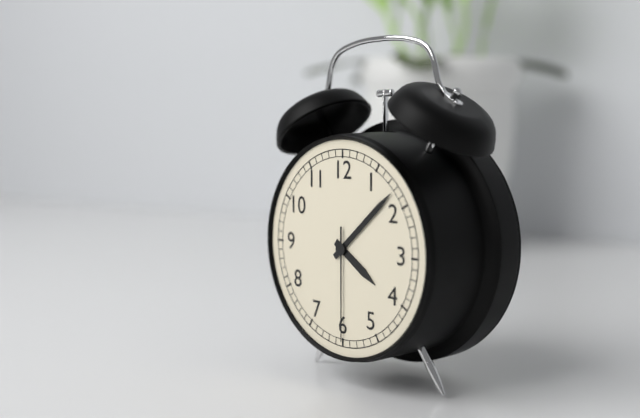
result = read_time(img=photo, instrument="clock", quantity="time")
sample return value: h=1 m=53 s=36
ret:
h=4 m=8 s=30
